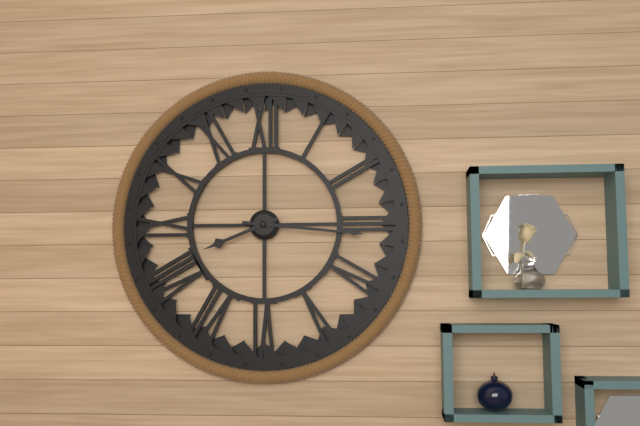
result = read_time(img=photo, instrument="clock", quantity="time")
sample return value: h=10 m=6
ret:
h=8 m=16
